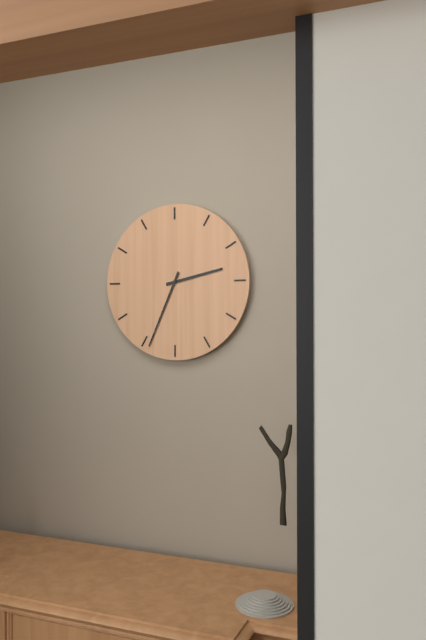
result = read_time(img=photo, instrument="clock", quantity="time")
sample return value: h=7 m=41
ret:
h=2 m=34
